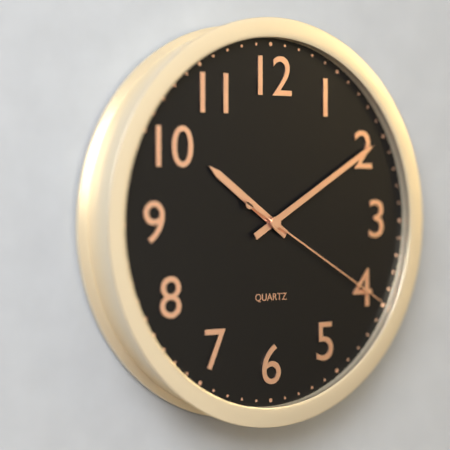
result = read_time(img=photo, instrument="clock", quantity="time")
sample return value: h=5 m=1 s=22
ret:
h=10 m=10 s=20
